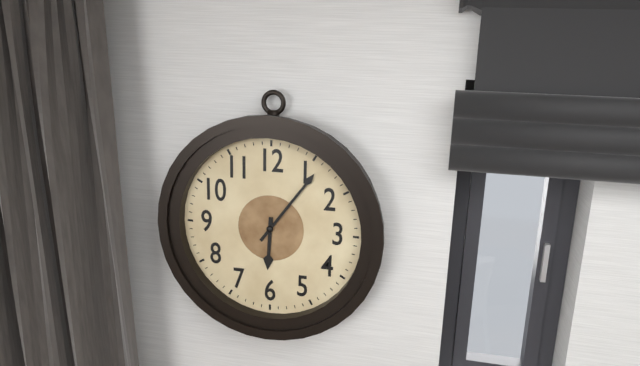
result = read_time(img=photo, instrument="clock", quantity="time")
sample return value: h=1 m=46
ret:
h=6 m=6
